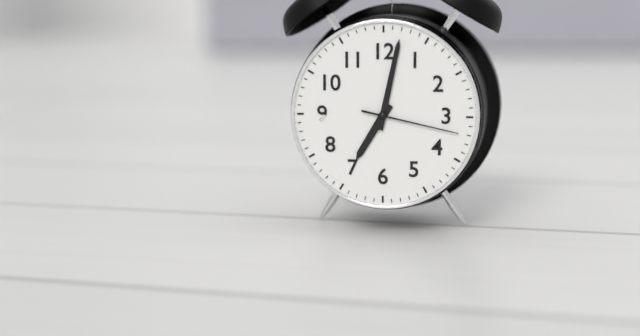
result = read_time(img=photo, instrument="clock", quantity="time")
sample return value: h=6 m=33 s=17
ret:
h=7 m=2 s=17
